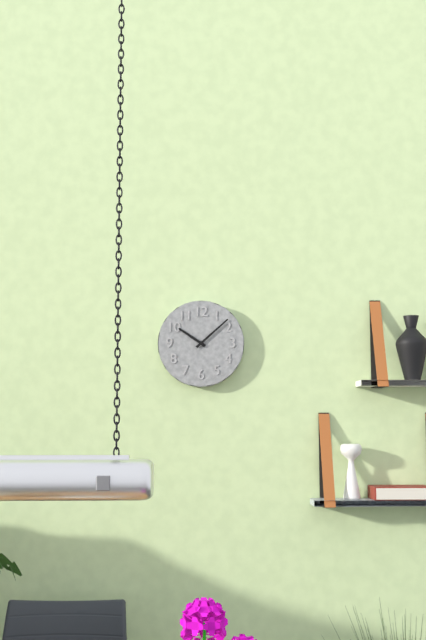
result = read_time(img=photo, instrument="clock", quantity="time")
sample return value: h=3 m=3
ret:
h=10 m=8
